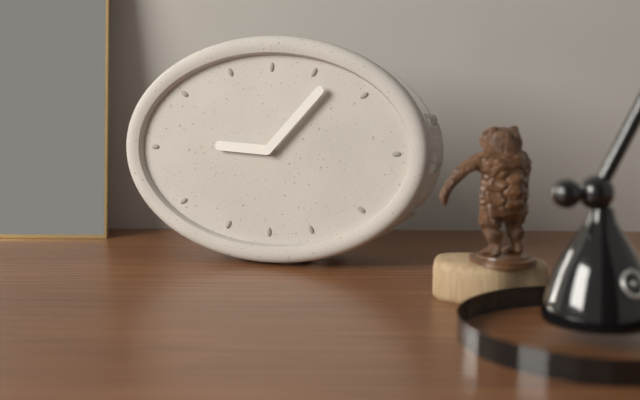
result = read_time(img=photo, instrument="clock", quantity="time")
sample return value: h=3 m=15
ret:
h=9 m=7
